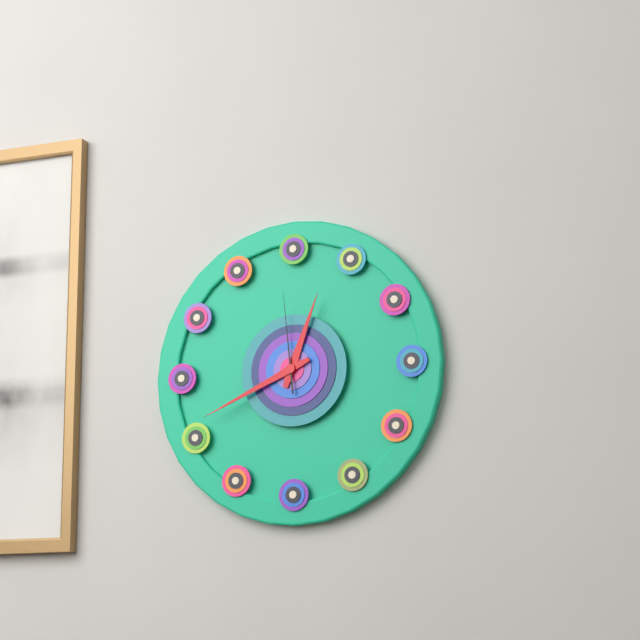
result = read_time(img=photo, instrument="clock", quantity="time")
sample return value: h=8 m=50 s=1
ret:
h=12 m=41 s=59
